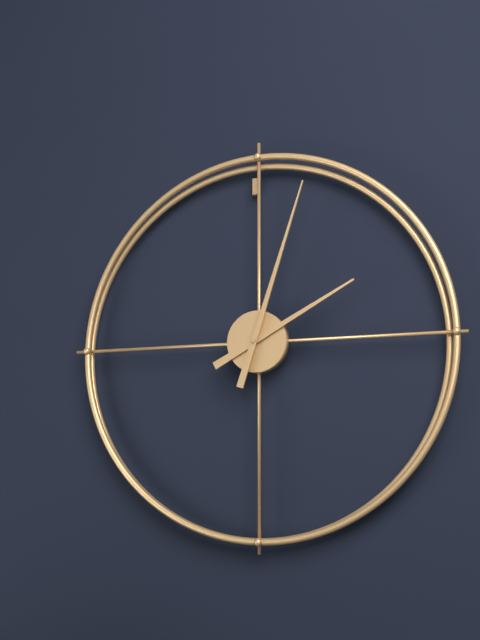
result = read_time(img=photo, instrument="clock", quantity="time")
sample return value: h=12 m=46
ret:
h=2 m=3
